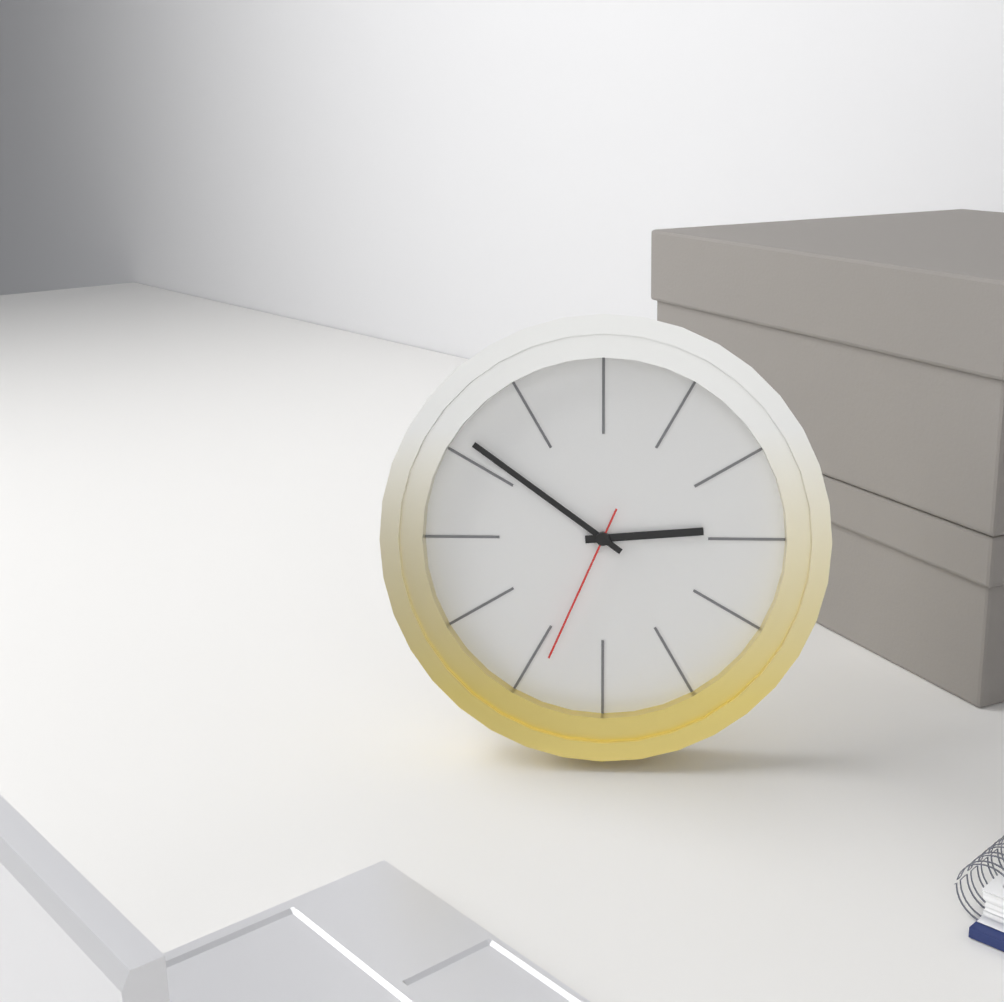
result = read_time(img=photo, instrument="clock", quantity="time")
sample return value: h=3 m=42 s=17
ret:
h=2 m=51 s=34
